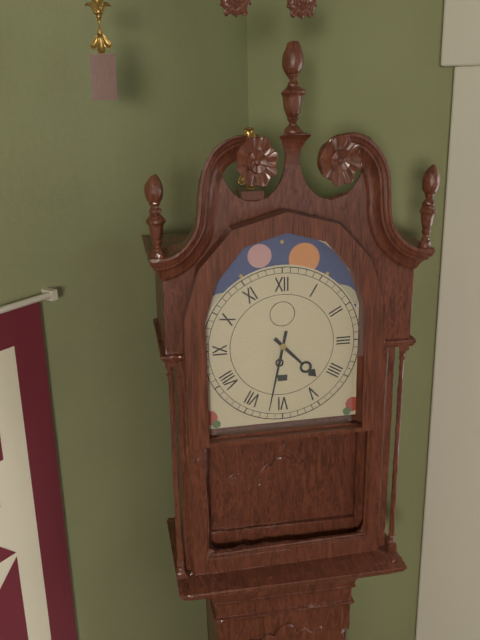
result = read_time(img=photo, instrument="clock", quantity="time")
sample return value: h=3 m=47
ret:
h=4 m=32
